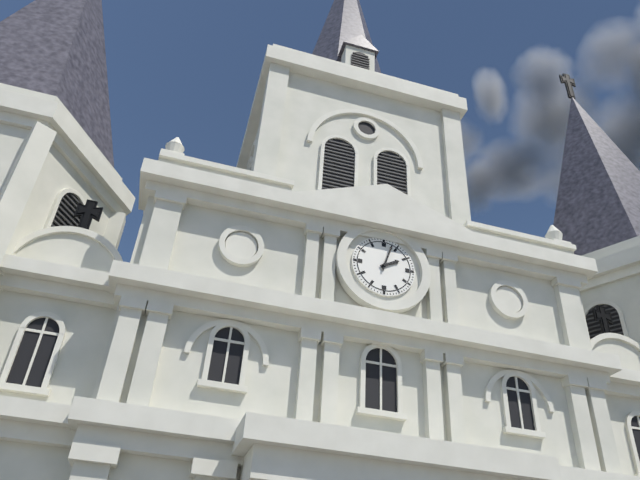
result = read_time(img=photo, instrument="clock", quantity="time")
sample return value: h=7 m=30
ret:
h=2 m=3
